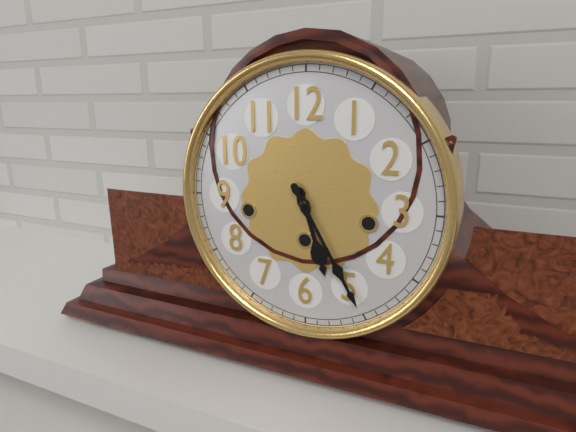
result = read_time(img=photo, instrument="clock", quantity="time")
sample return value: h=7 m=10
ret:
h=5 m=25
